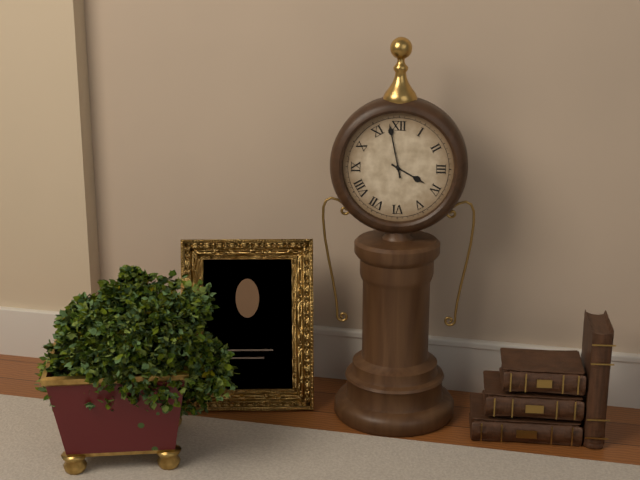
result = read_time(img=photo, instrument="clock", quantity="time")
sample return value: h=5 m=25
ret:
h=3 m=58
